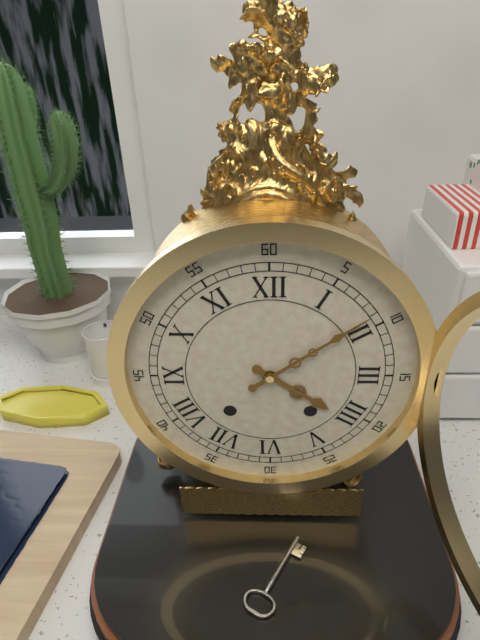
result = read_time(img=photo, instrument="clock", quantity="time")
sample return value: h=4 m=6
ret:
h=4 m=9
